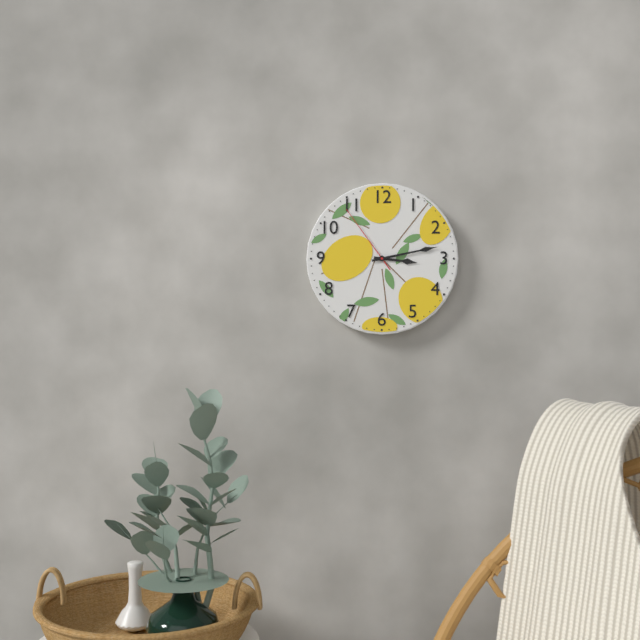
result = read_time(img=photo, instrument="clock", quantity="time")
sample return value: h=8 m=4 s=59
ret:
h=3 m=13 s=54
